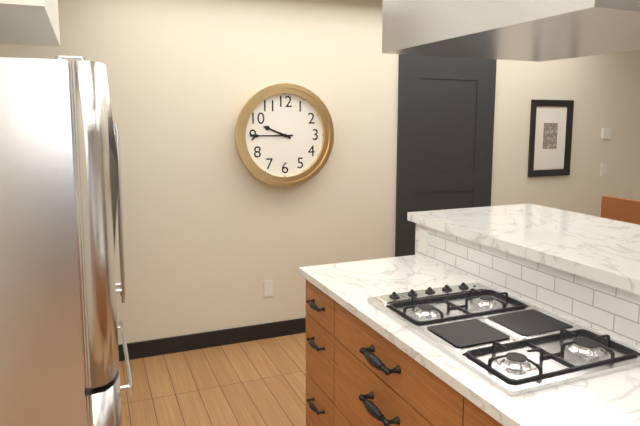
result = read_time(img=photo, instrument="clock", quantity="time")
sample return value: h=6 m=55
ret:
h=9 m=45
